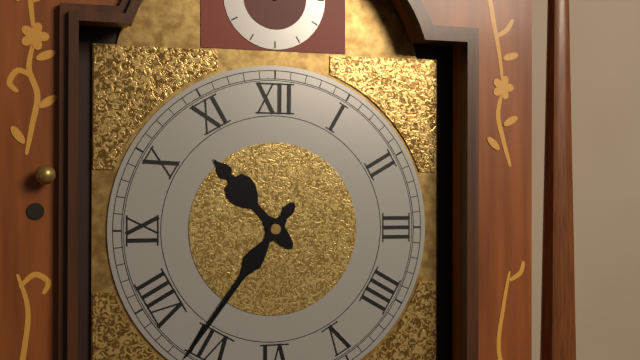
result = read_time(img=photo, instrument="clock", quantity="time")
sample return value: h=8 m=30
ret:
h=10 m=36
